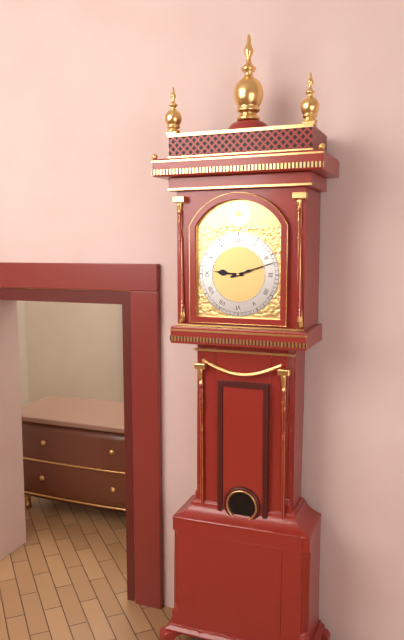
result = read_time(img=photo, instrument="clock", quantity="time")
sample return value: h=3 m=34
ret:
h=9 m=12
